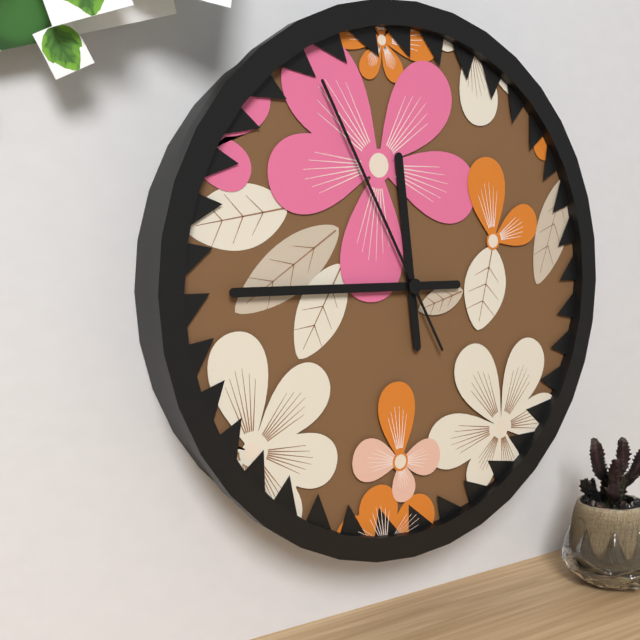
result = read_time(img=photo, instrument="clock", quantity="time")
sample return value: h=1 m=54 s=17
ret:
h=11 m=45 s=55
